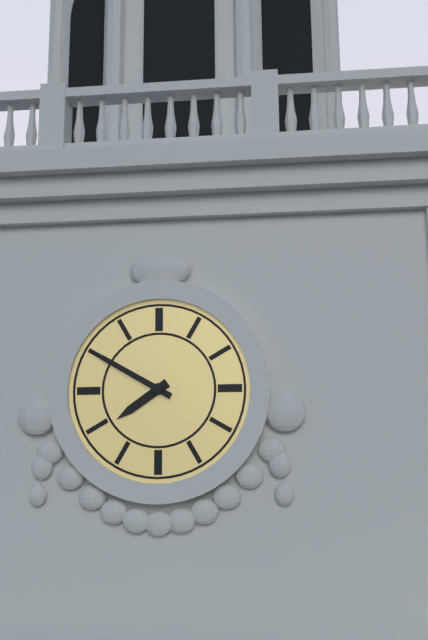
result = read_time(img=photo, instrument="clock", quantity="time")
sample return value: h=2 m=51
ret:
h=7 m=50
